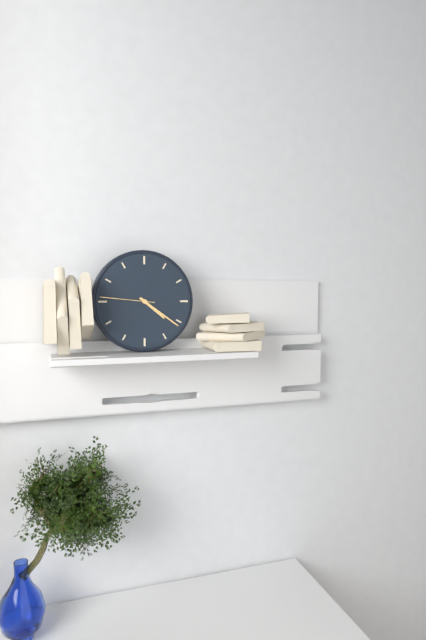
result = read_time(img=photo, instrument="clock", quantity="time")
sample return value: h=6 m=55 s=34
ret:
h=4 m=21 s=46
